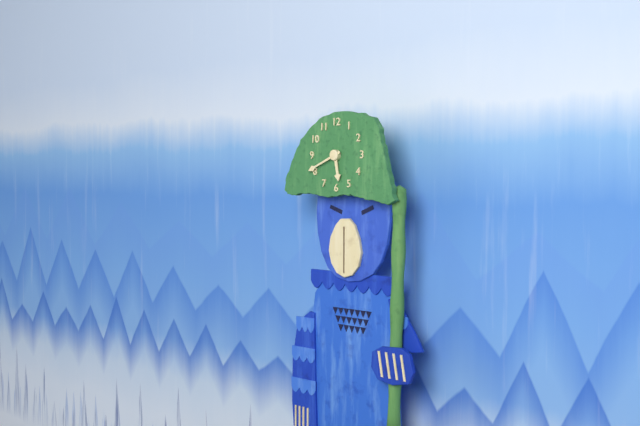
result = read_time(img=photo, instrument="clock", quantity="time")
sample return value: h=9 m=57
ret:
h=5 m=41
